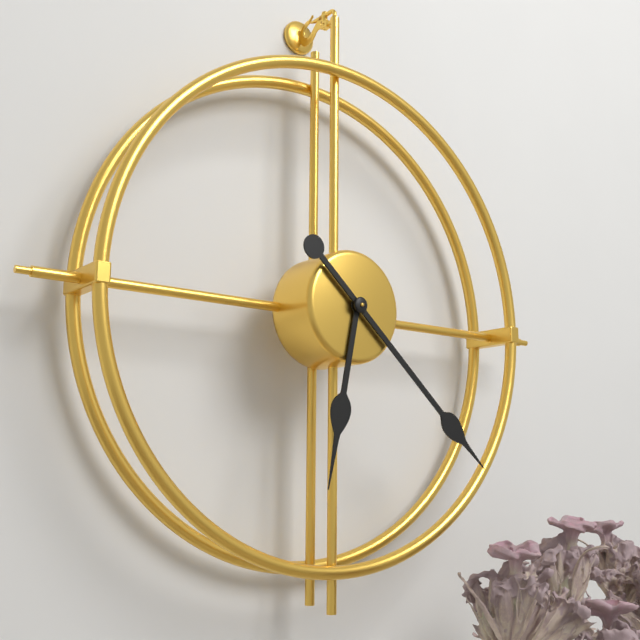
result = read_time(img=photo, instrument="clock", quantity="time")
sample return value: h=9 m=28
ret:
h=6 m=22
